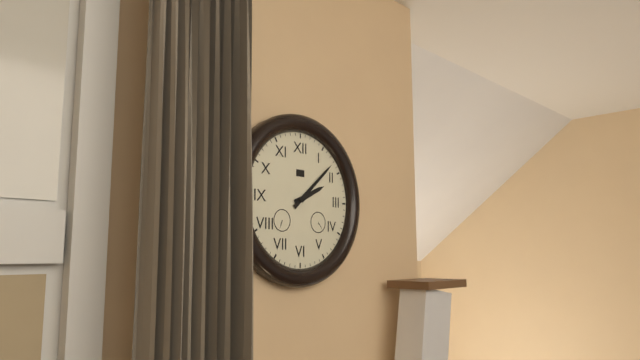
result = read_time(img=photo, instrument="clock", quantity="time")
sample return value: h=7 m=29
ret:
h=2 m=8
